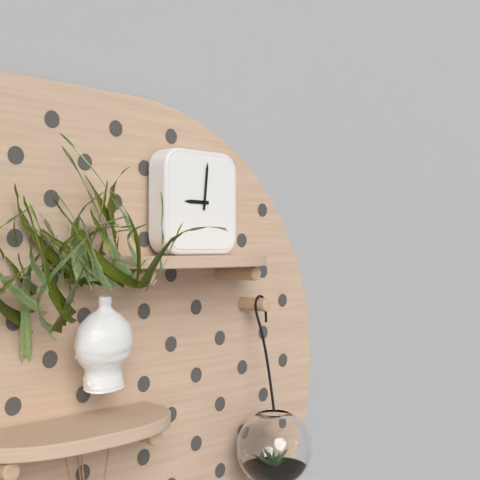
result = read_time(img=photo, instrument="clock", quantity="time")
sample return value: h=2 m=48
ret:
h=9 m=1
